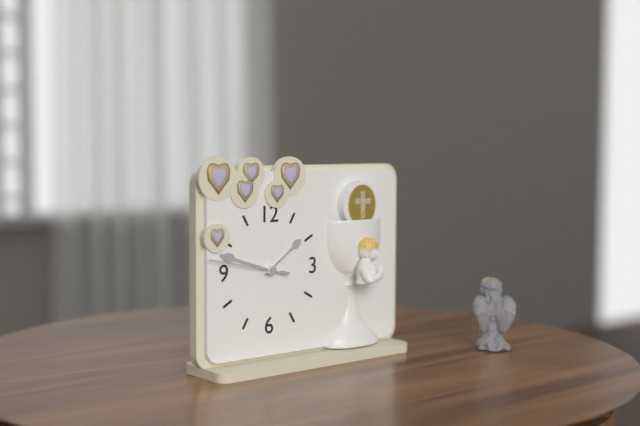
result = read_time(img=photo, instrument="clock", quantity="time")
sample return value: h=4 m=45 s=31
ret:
h=1 m=48 s=47
